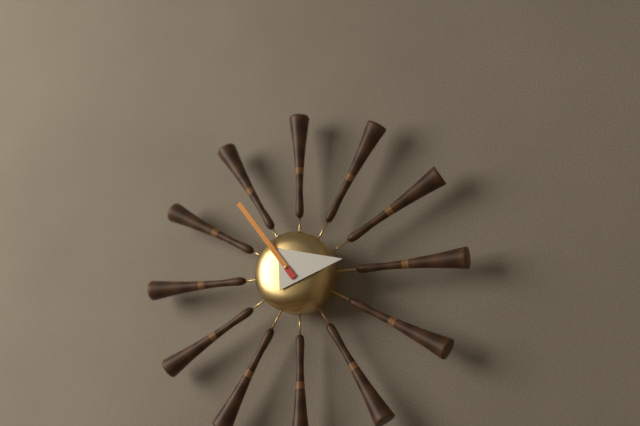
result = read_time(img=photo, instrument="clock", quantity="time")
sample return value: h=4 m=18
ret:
h=2 m=54
